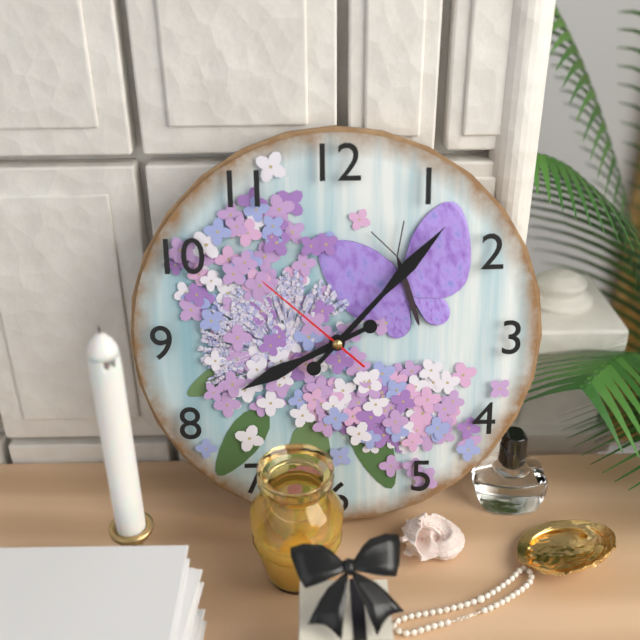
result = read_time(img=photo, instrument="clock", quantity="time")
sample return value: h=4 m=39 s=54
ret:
h=8 m=7 s=52
